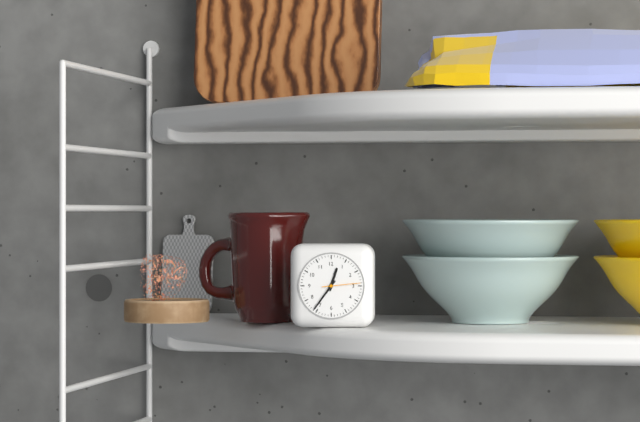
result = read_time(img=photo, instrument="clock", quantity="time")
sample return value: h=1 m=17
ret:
h=12 m=36
